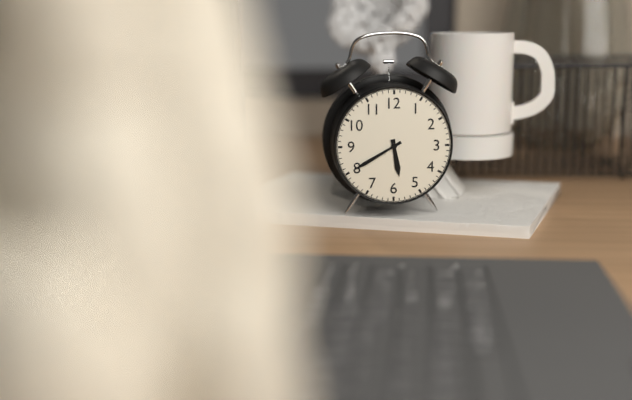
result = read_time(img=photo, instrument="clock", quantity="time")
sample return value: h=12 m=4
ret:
h=5 m=40
